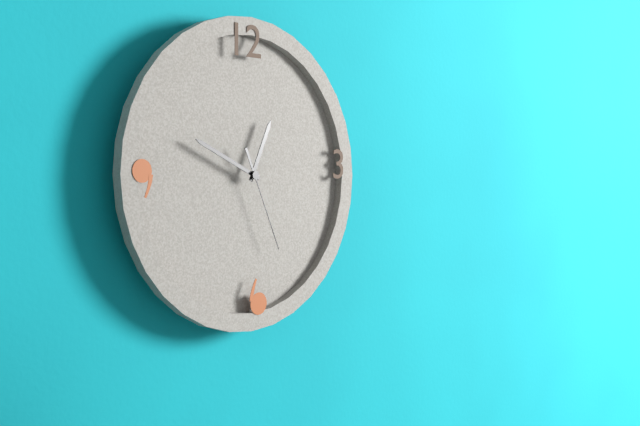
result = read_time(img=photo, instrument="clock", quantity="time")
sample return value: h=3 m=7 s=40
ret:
h=12 m=49 s=26
